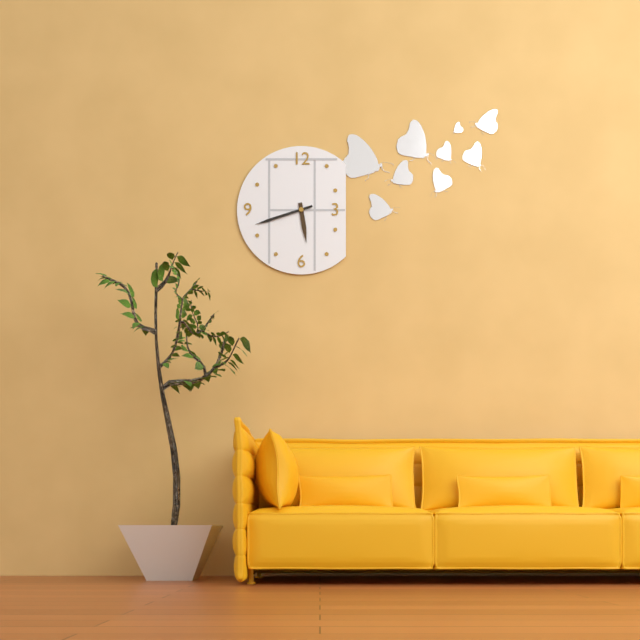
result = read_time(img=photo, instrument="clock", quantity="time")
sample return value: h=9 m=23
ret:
h=5 m=42
